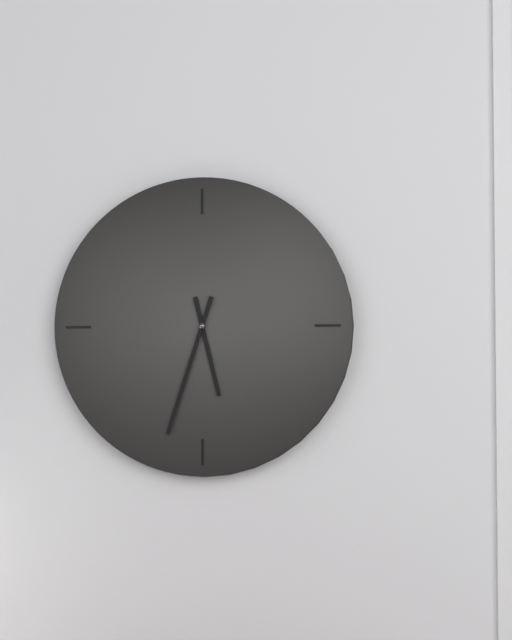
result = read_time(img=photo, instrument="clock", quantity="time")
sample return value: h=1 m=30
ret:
h=5 m=33
